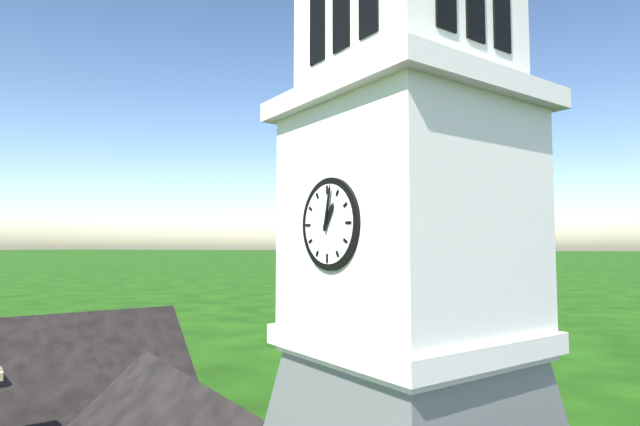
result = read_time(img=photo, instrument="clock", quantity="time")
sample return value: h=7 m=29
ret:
h=1 m=2
